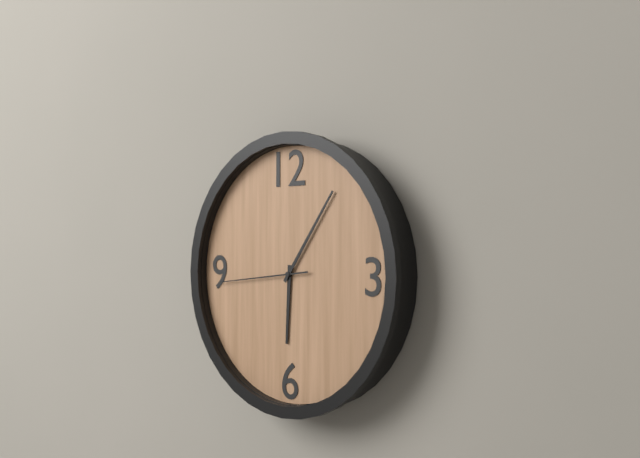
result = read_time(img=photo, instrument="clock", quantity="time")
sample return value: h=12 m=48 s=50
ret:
h=6 m=6 s=44
